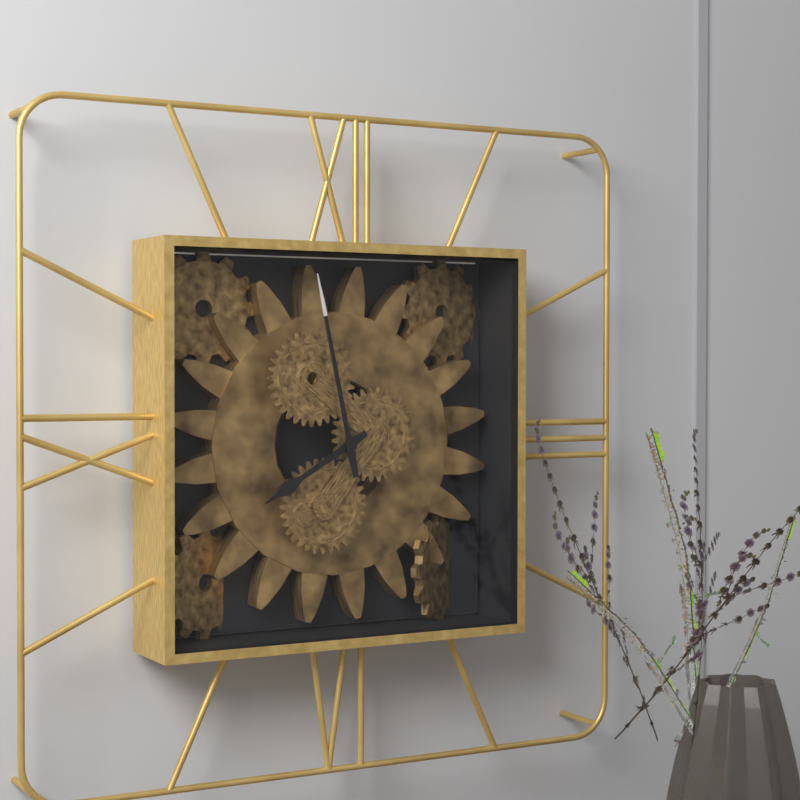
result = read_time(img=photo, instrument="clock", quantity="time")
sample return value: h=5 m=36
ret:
h=7 m=58
